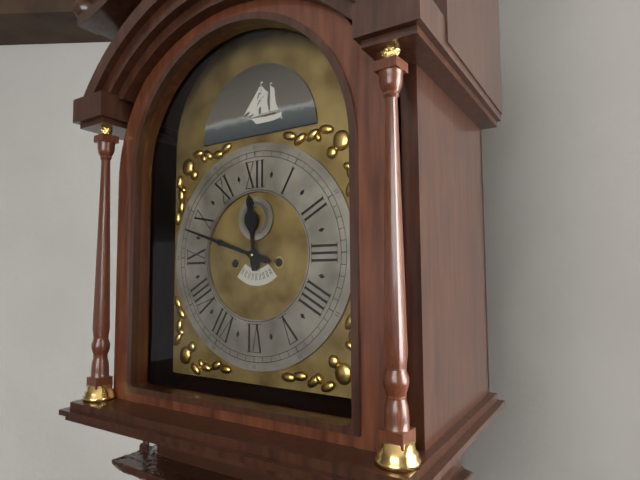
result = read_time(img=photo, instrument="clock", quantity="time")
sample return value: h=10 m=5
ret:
h=11 m=48
